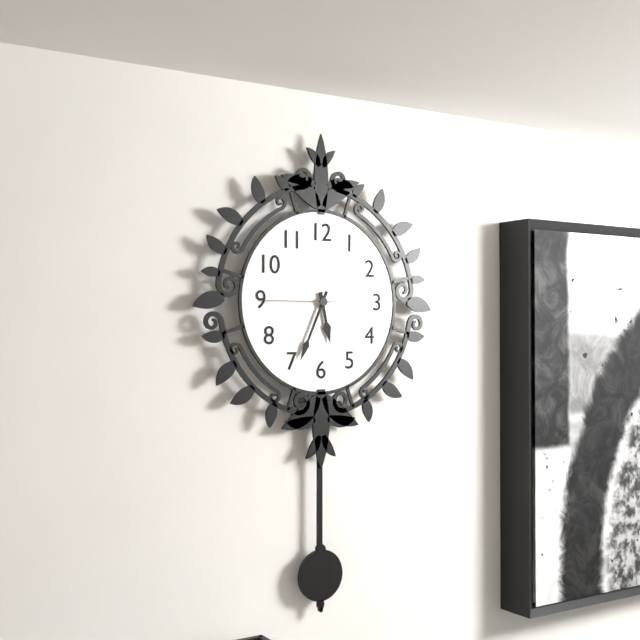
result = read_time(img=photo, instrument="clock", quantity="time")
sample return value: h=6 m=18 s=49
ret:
h=5 m=34 s=45
